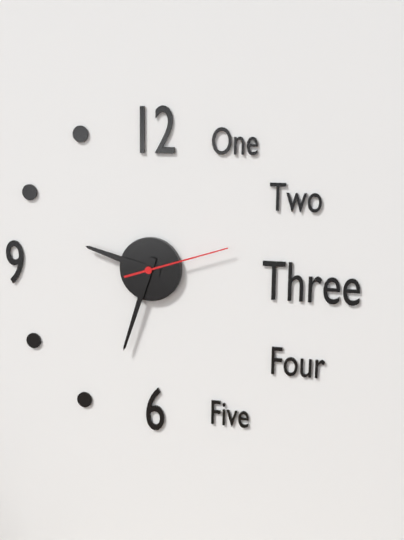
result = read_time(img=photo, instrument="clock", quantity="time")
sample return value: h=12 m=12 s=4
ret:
h=9 m=33 s=12
